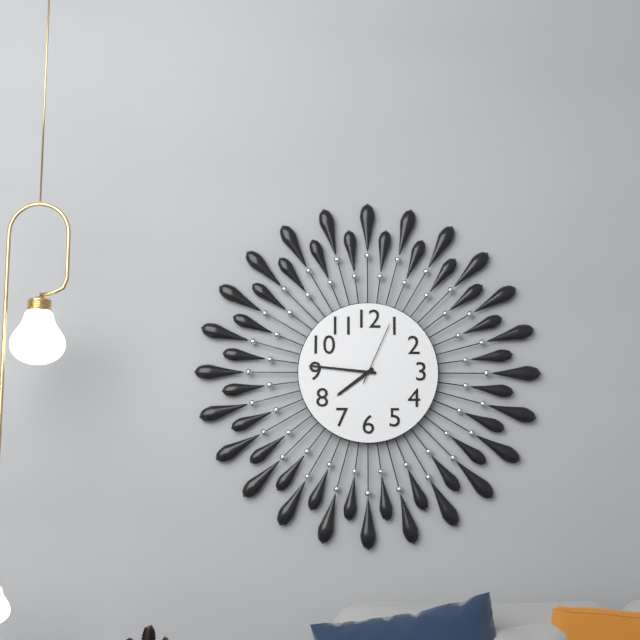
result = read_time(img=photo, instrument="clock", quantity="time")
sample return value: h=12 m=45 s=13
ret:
h=7 m=46 s=4
